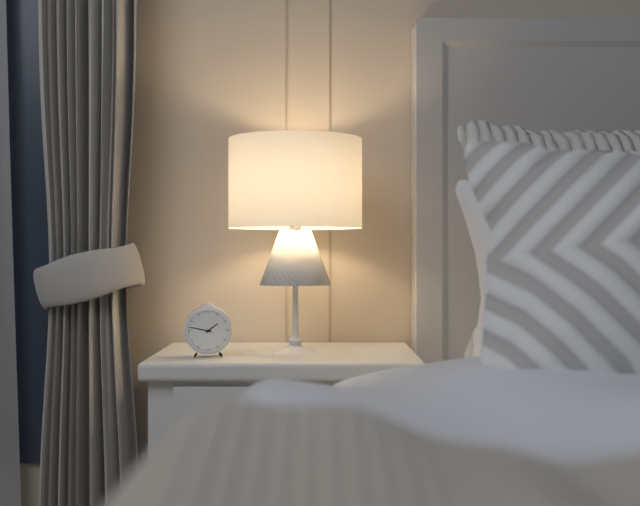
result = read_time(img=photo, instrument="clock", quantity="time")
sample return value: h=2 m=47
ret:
h=1 m=47
